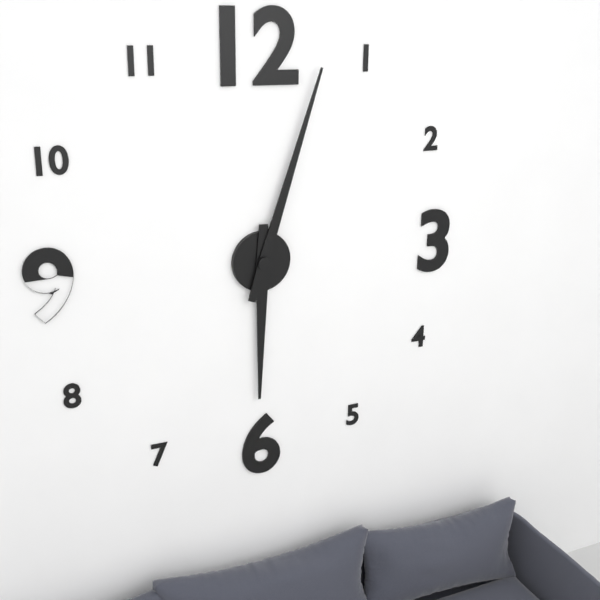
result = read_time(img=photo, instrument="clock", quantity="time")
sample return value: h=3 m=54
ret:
h=6 m=3
